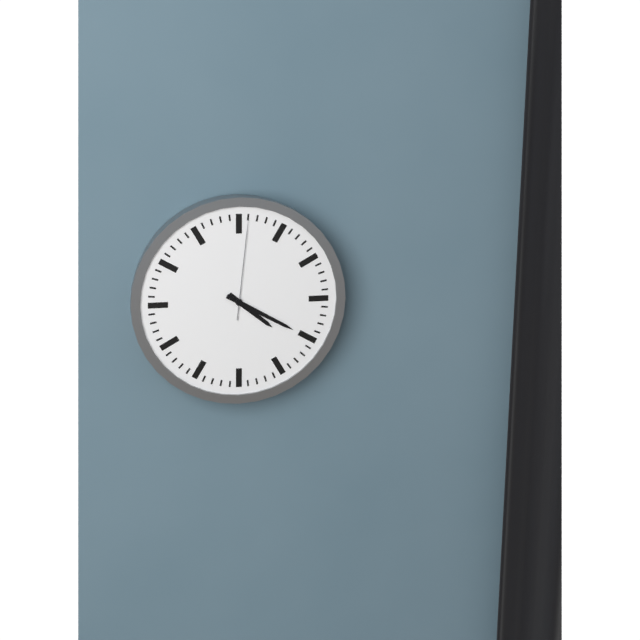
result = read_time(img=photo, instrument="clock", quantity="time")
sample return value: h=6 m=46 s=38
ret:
h=4 m=20 s=1
